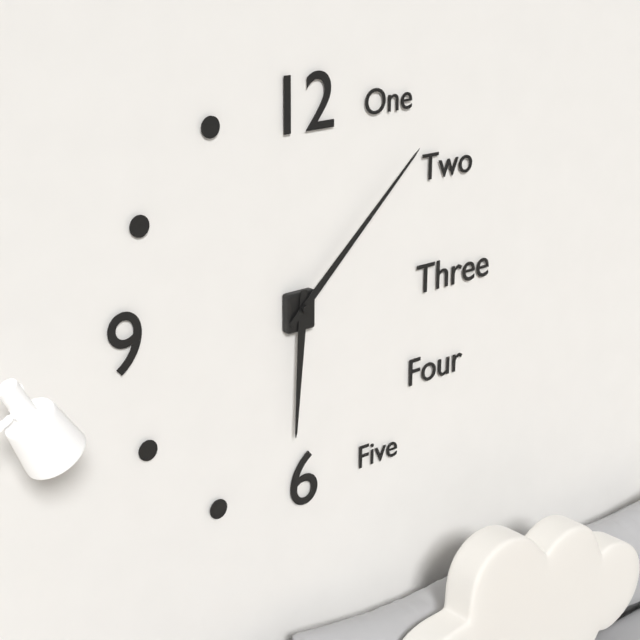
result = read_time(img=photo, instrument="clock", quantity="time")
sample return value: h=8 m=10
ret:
h=6 m=8
